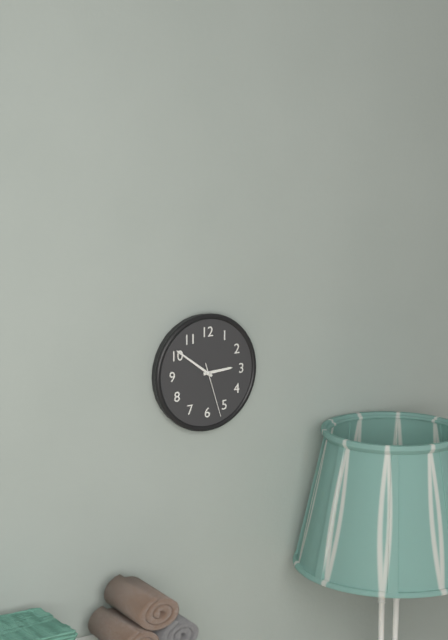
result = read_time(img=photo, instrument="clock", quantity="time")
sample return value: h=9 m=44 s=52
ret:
h=2 m=51 s=27
